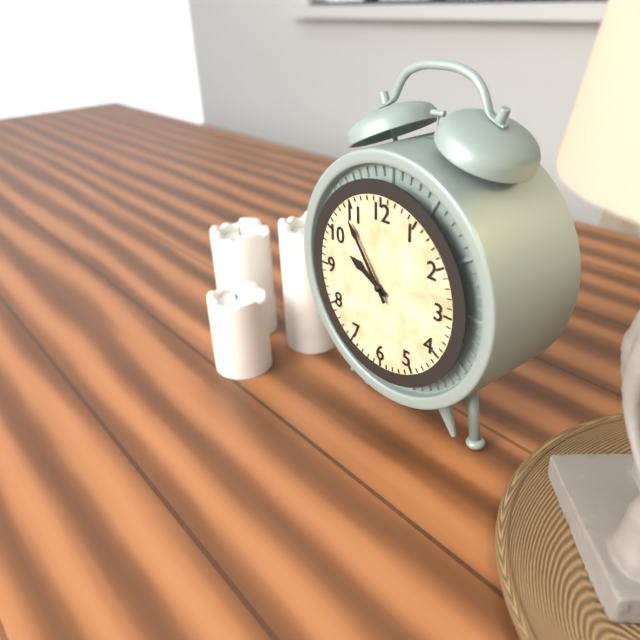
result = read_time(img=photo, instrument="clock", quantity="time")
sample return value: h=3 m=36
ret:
h=9 m=54
